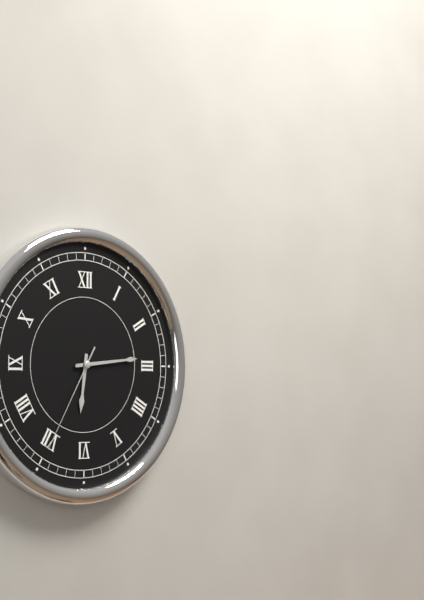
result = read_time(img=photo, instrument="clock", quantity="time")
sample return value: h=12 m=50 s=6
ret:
h=6 m=14 s=35
